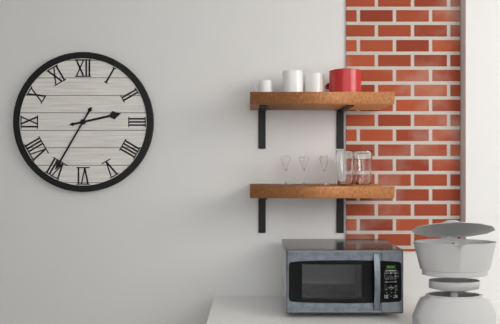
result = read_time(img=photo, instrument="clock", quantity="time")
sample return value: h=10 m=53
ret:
h=2 m=35
